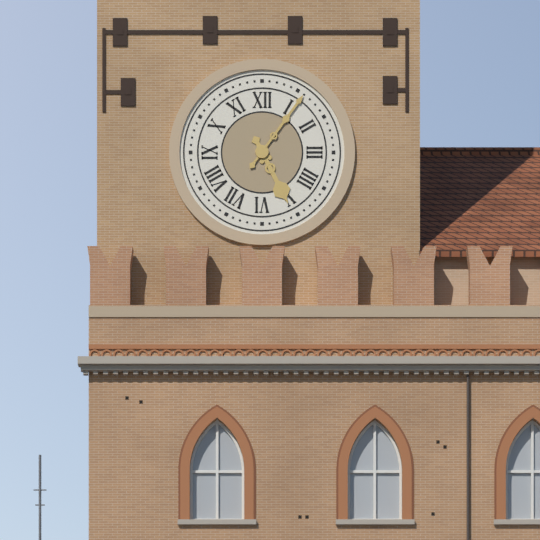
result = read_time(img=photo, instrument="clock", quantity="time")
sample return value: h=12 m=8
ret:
h=5 m=6
